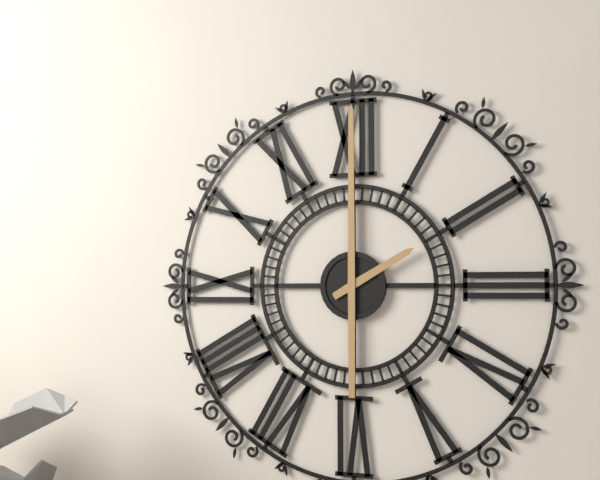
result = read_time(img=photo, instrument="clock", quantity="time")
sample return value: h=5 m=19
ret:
h=2 m=0
